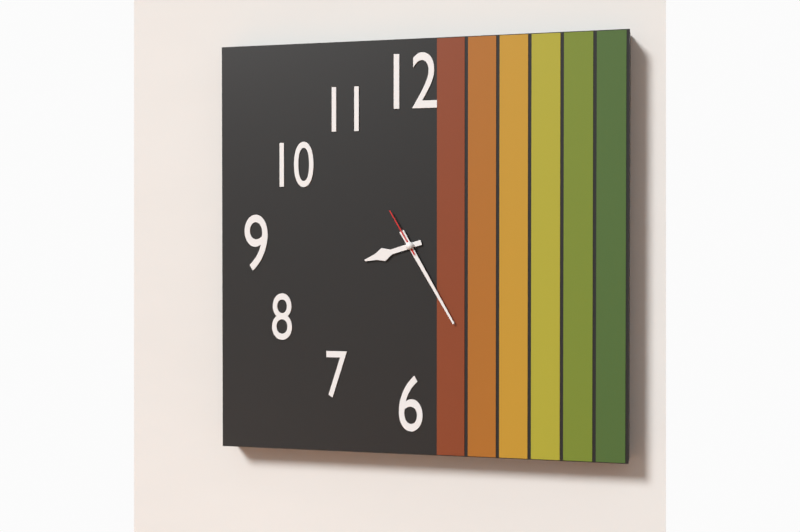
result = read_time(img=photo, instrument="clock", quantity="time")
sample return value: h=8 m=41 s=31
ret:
h=8 m=25 s=55
